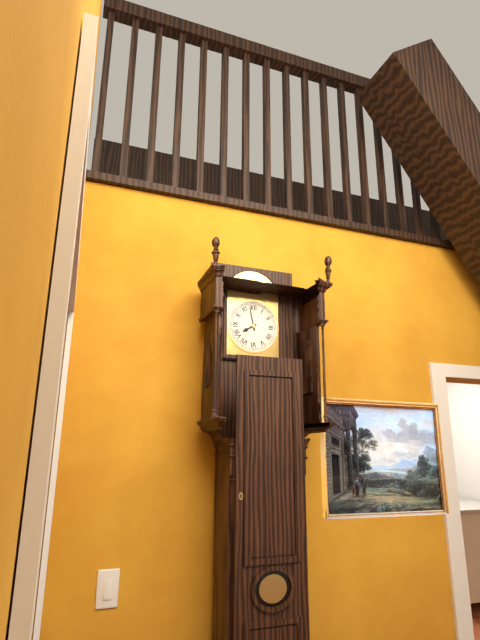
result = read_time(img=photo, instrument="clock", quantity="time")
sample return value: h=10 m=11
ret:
h=7 m=58
